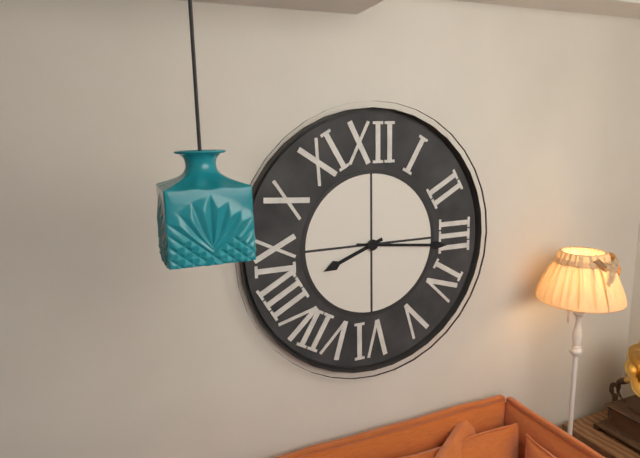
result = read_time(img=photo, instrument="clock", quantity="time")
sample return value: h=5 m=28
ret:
h=8 m=16
